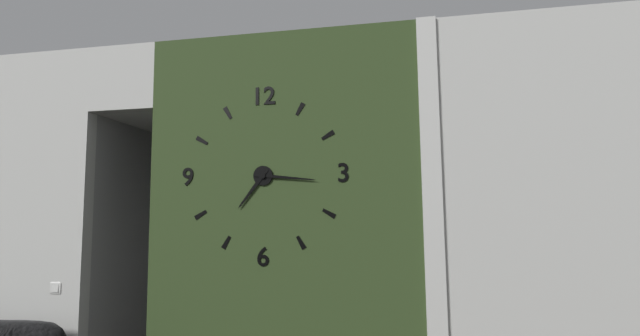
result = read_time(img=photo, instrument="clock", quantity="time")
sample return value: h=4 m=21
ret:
h=7 m=16
